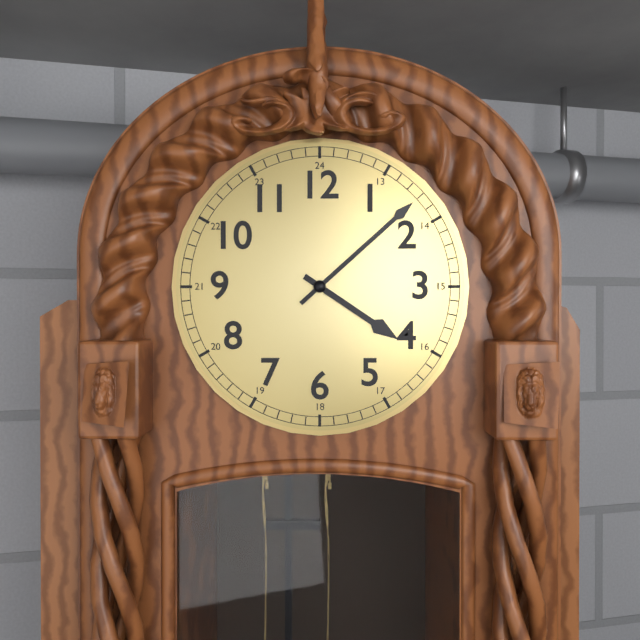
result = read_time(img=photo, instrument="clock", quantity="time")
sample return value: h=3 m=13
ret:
h=4 m=8
